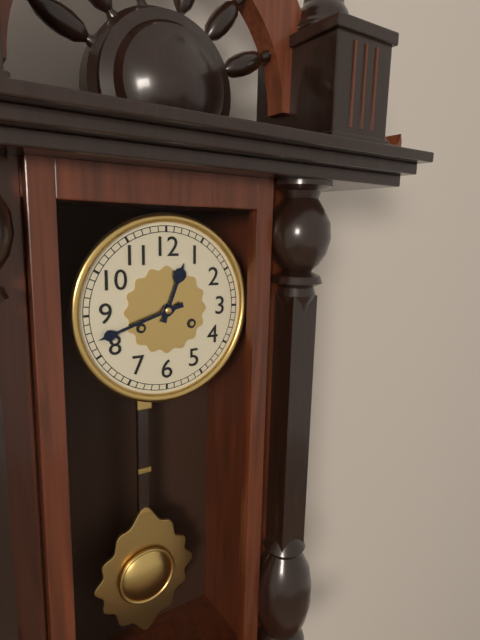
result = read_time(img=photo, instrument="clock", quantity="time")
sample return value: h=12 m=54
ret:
h=12 m=42
